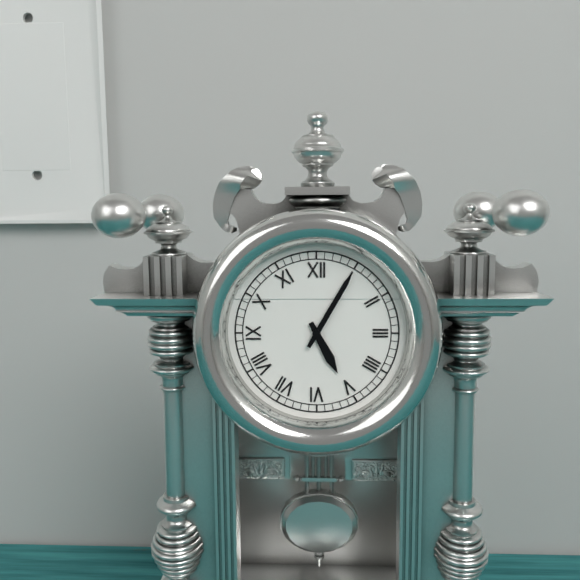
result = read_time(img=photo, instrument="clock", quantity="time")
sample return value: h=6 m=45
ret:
h=5 m=5
